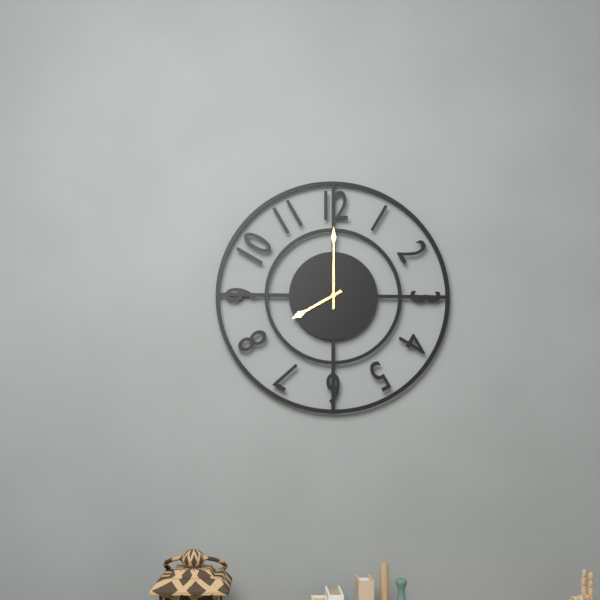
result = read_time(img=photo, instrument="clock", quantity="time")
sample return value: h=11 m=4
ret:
h=8 m=0
